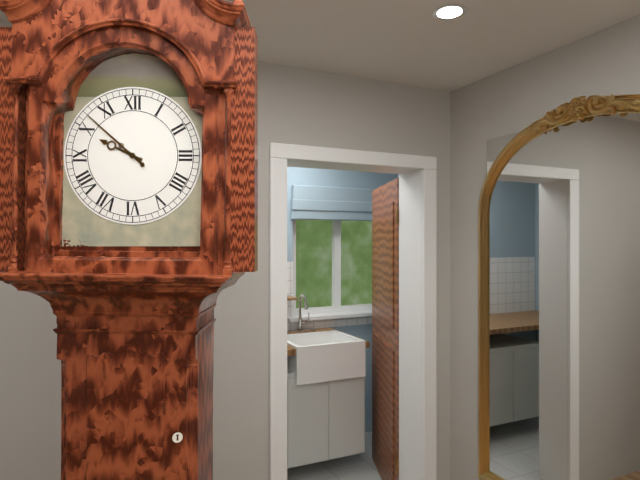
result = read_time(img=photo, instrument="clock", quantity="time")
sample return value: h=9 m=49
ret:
h=9 m=52
